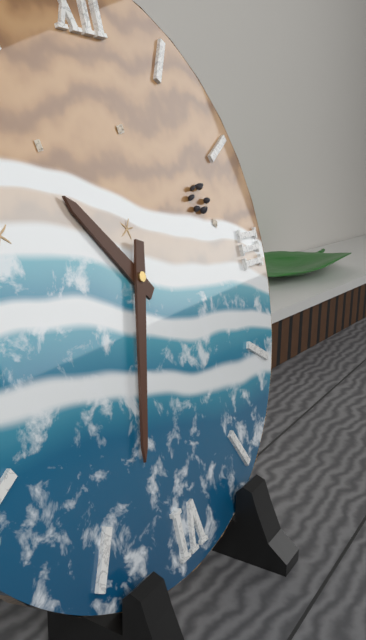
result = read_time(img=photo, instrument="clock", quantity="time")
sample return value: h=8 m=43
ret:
h=10 m=33
